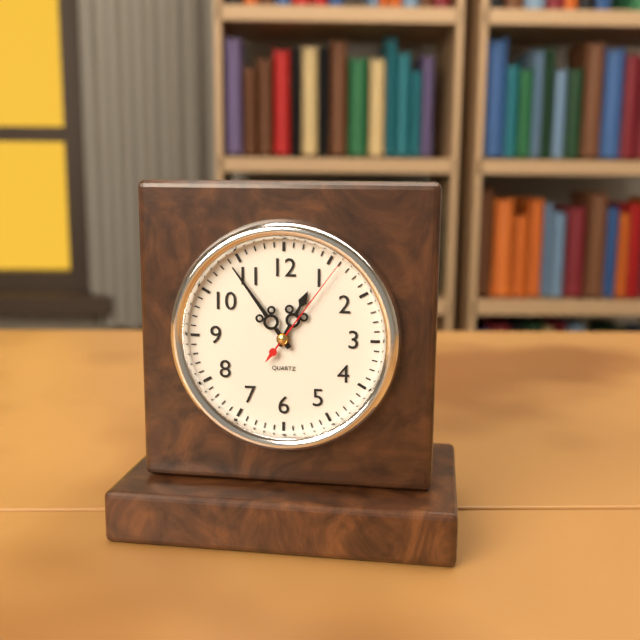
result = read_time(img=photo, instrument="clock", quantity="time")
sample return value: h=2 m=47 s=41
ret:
h=12 m=54 s=6
